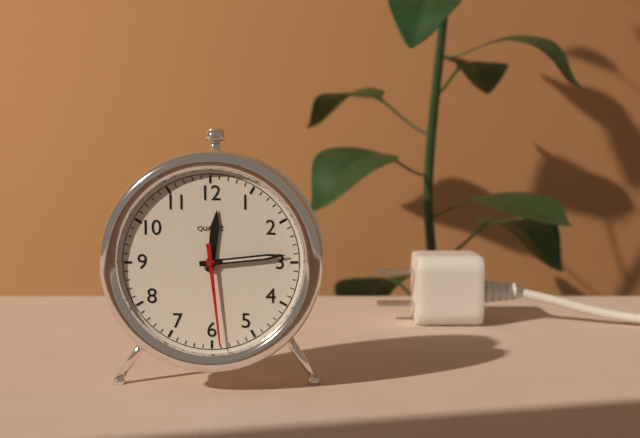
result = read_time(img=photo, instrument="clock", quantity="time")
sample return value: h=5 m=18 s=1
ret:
h=12 m=14 s=29
